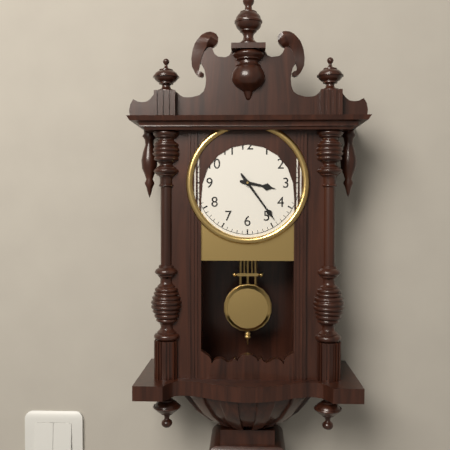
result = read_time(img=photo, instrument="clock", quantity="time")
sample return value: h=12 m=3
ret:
h=3 m=24
